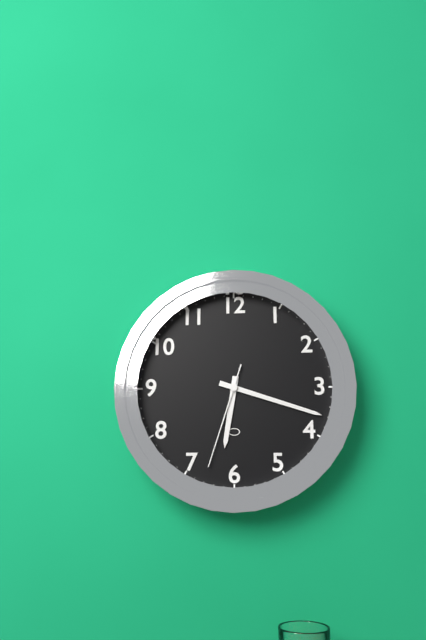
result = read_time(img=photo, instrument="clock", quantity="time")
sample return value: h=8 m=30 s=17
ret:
h=6 m=18 s=33
